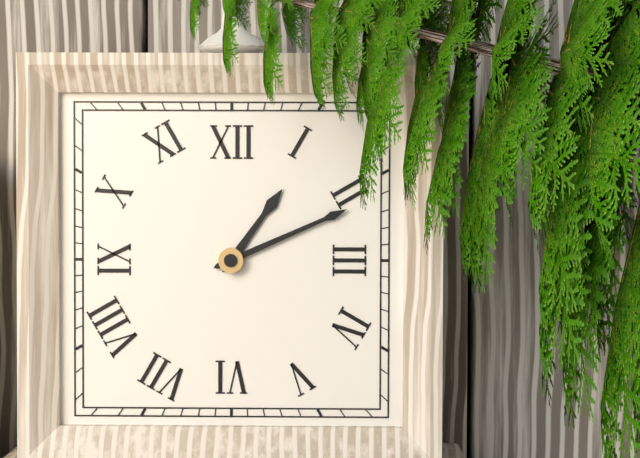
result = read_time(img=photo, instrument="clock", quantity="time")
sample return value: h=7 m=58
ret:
h=1 m=11
